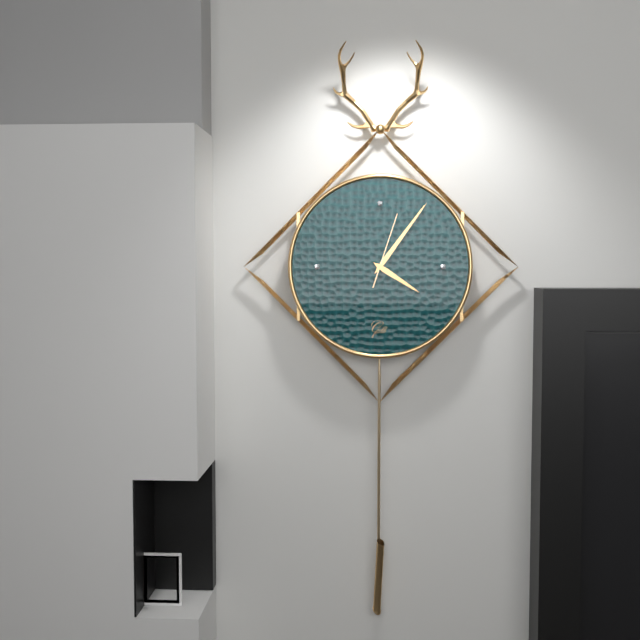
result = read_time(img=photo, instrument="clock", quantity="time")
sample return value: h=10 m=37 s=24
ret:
h=4 m=6 s=3
